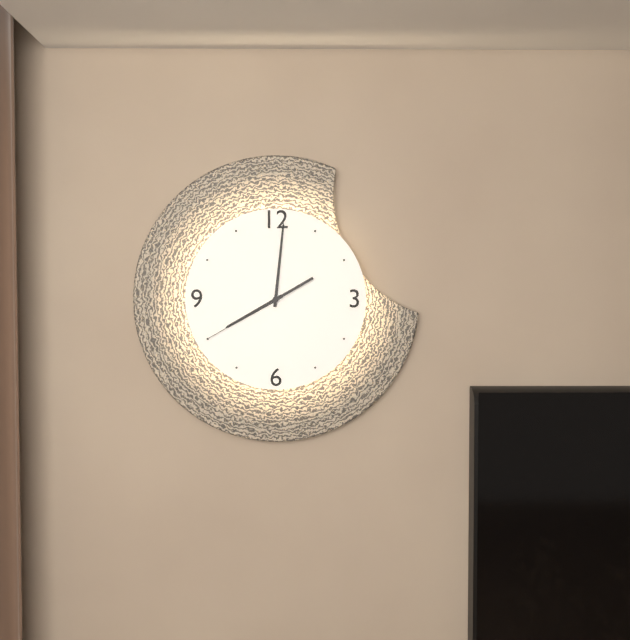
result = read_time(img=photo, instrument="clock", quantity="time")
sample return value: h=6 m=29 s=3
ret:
h=8 m=1 s=40
